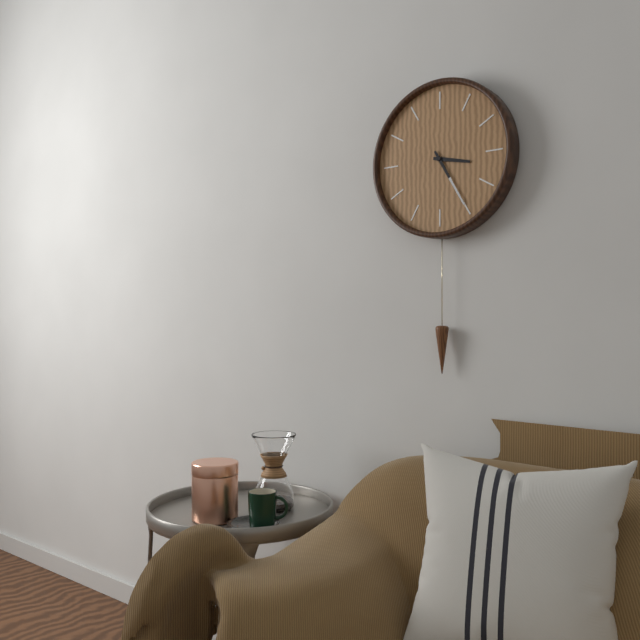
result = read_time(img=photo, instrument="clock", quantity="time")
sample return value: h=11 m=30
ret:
h=3 m=25
